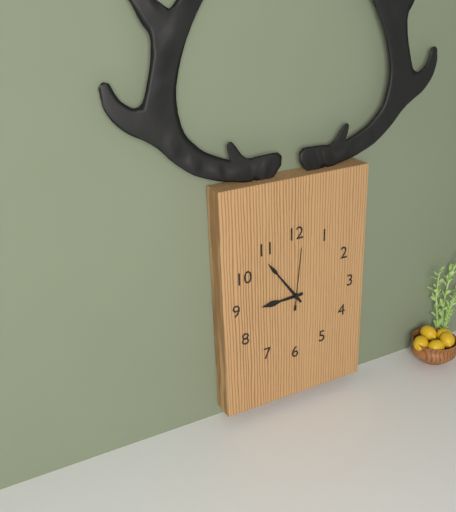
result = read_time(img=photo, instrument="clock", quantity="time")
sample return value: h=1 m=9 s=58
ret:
h=8 m=54 s=1
